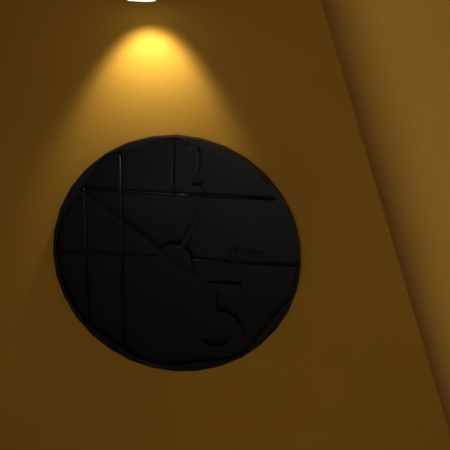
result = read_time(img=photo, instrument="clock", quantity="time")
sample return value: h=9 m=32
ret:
h=12 m=51
